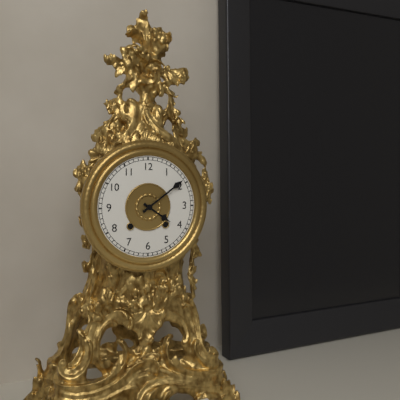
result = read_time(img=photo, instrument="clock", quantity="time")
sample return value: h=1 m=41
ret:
h=4 m=9
